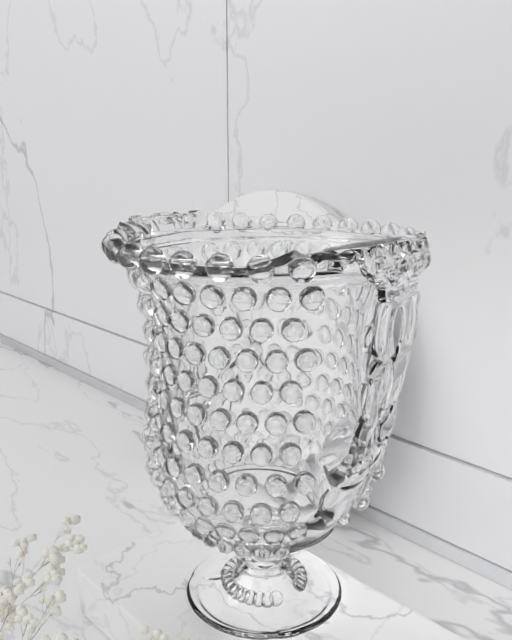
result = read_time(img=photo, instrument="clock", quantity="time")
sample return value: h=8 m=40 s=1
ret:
h=7 m=34 s=51
